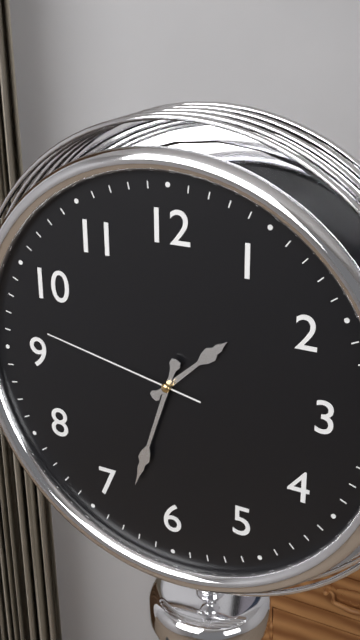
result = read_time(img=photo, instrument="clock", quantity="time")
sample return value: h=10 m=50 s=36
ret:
h=1 m=33 s=47
